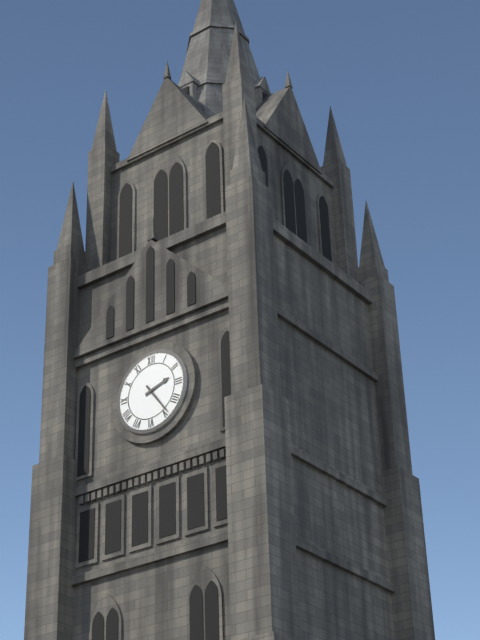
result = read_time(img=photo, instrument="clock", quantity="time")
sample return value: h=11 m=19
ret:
h=2 m=24
